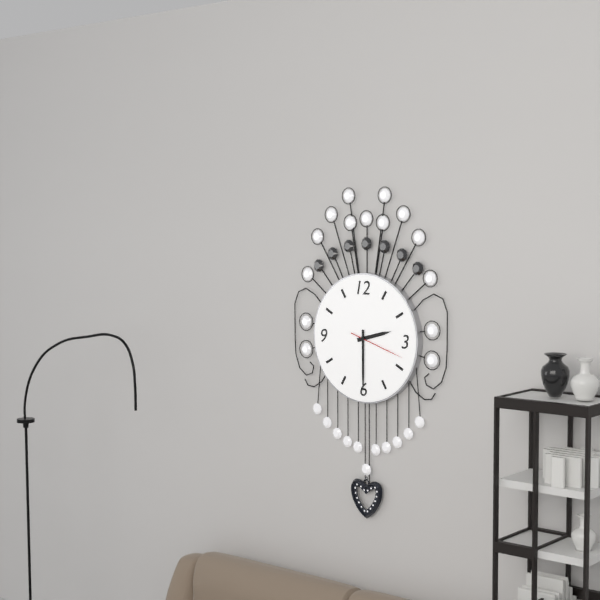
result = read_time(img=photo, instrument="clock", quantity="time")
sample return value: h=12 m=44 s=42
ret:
h=2 m=30 s=18
